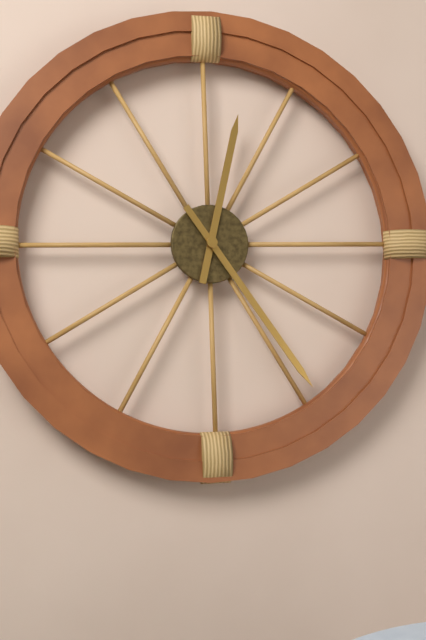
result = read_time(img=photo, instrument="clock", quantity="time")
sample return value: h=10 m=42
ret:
h=12 m=24
